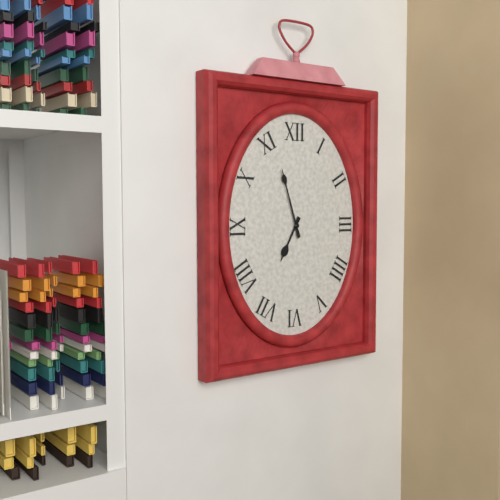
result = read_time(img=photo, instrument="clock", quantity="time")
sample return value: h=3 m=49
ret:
h=6 m=57
